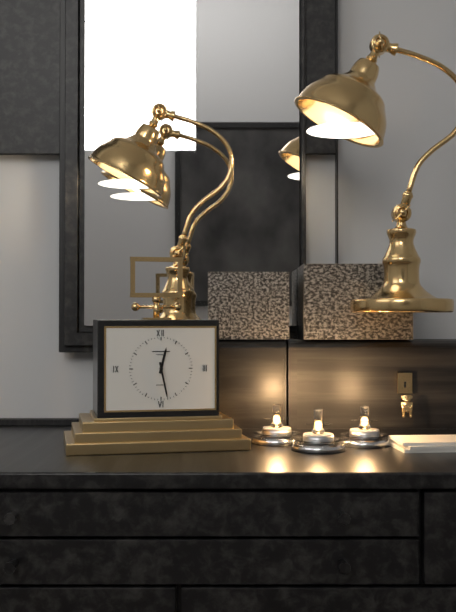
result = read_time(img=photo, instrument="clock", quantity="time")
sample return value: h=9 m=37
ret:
h=12 m=28
